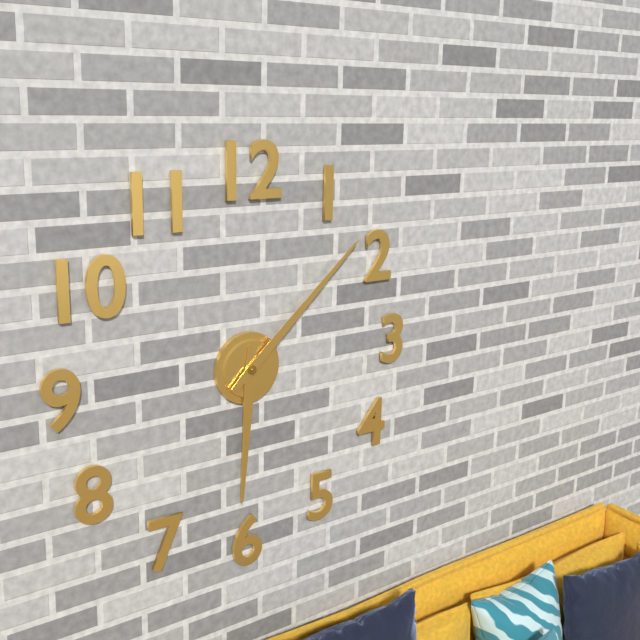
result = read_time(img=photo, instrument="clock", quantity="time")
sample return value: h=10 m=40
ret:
h=6 m=8
